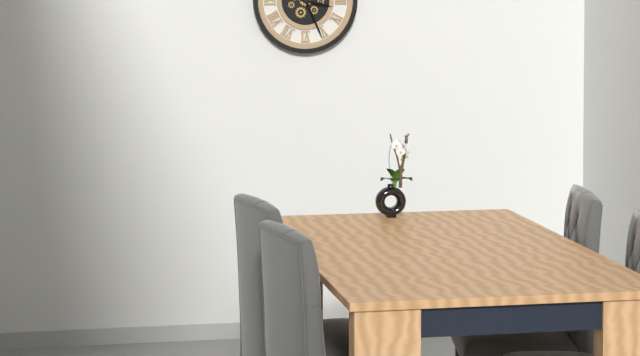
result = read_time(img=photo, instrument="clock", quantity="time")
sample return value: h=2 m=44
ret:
h=3 m=26
